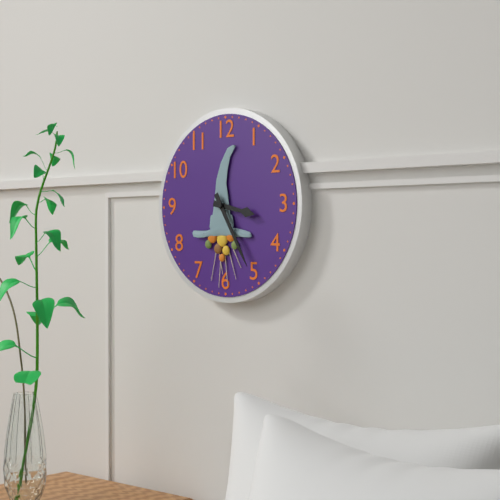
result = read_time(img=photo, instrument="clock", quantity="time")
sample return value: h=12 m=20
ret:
h=3 m=25
